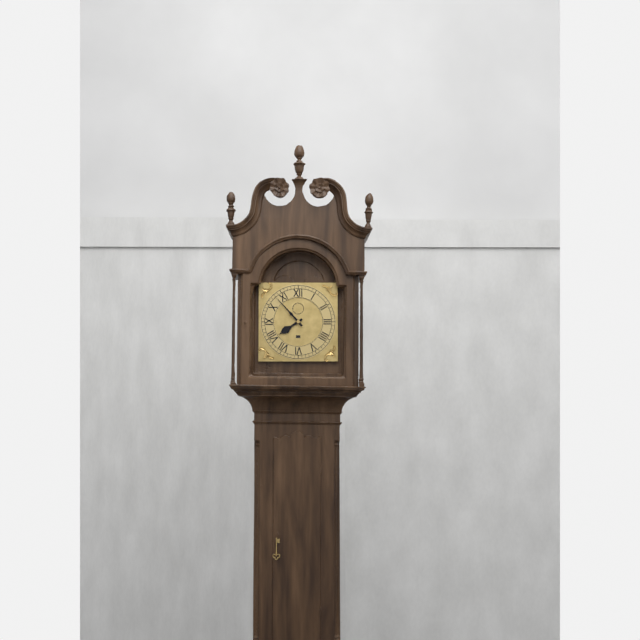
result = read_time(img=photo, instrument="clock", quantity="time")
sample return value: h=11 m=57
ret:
h=7 m=53
